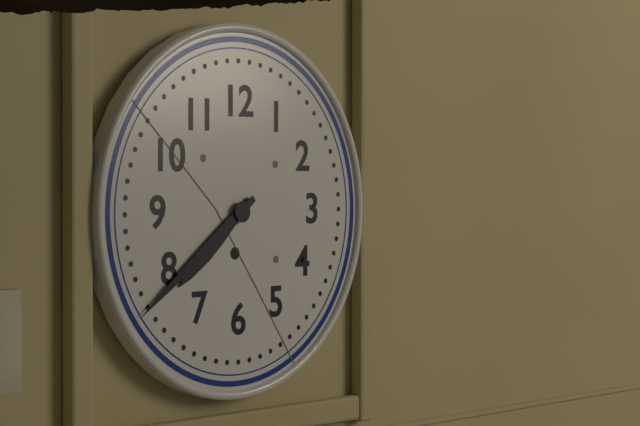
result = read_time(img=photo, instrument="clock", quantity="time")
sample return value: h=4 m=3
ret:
h=7 m=39
